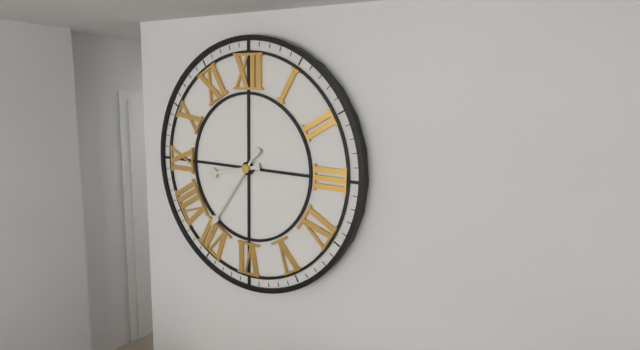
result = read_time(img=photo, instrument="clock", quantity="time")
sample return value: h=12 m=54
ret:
h=8 m=36
